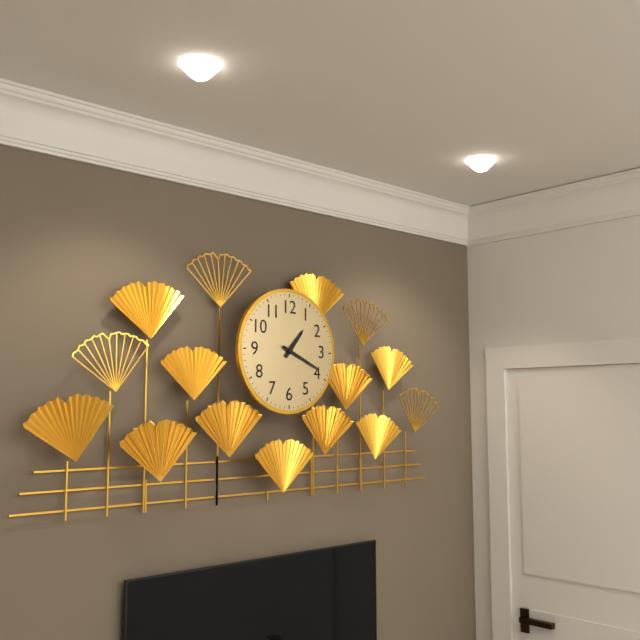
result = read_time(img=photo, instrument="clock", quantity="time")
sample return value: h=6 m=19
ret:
h=1 m=19
